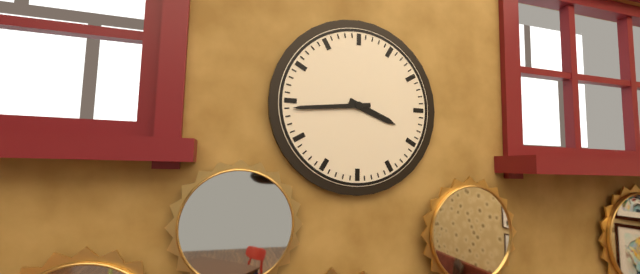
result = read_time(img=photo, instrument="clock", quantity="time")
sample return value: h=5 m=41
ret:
h=3 m=44
